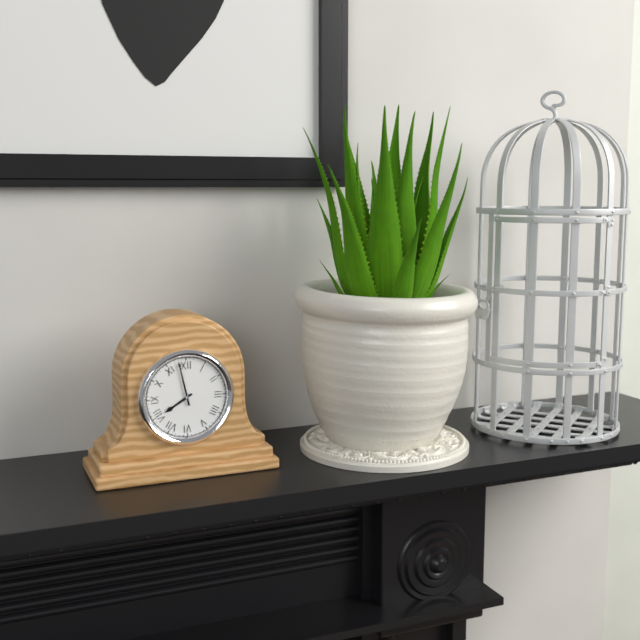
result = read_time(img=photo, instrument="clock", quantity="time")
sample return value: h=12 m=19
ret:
h=7 m=58
